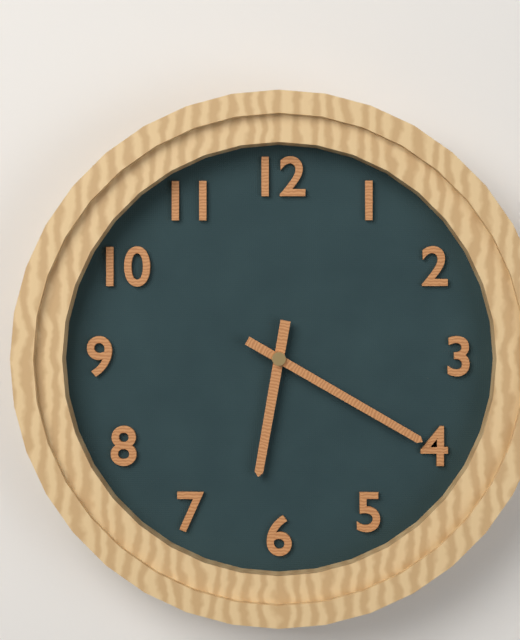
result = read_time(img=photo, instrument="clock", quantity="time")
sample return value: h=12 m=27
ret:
h=6 m=20
